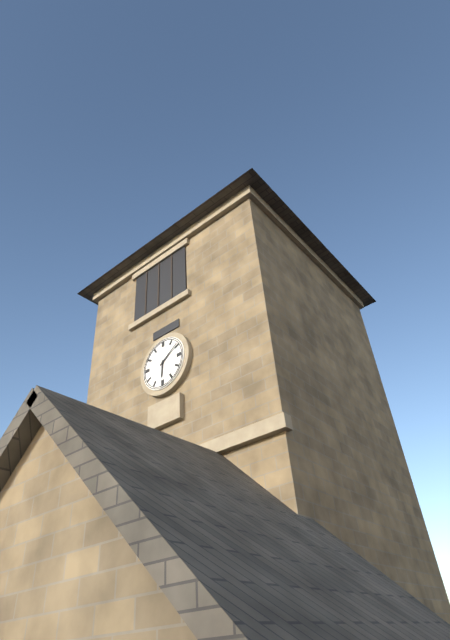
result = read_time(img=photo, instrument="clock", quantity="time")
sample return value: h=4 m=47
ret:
h=6 m=9
